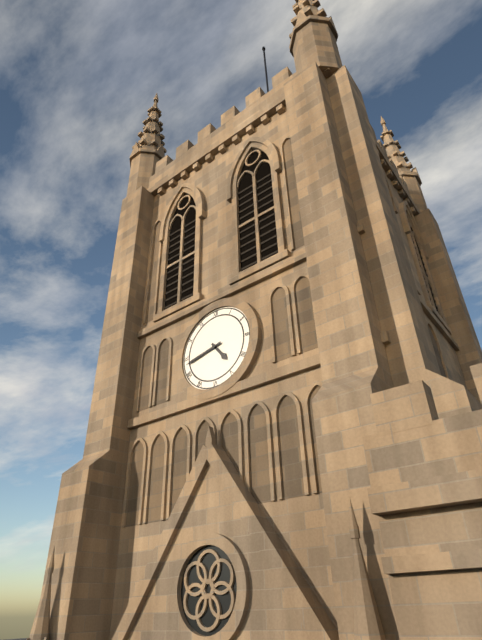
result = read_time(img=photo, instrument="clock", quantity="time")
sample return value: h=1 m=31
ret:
h=4 m=43
